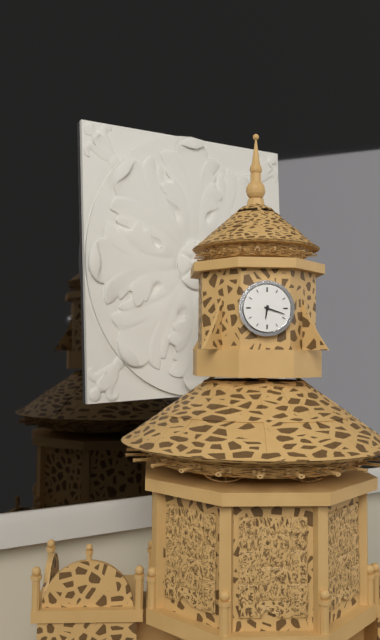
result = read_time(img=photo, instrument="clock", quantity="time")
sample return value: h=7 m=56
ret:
h=6 m=18
